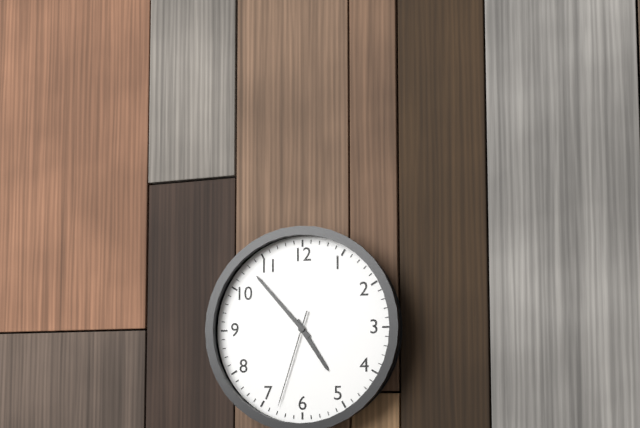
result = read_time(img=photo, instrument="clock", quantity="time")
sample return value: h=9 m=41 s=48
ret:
h=4 m=53 s=33
